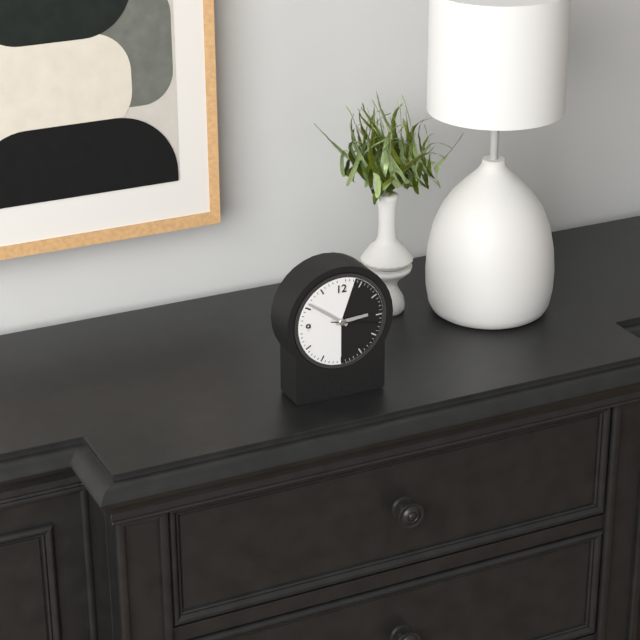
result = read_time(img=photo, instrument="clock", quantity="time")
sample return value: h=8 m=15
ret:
h=2 m=51
